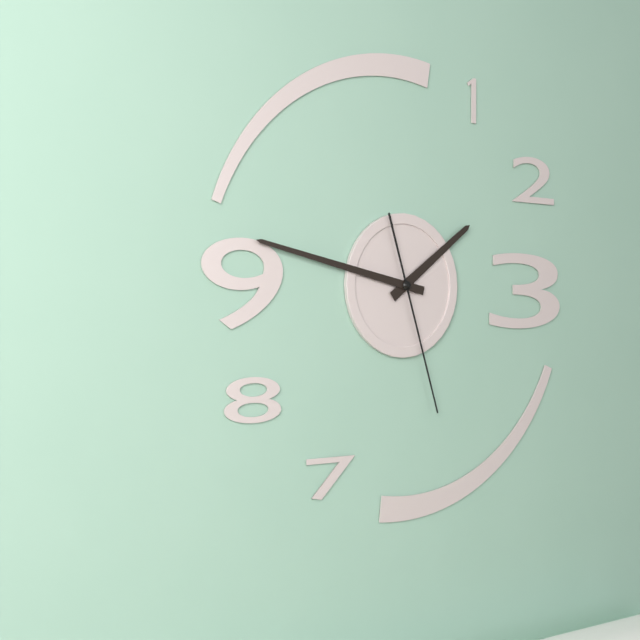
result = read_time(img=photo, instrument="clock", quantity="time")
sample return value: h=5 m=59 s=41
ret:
h=1 m=47 s=27
